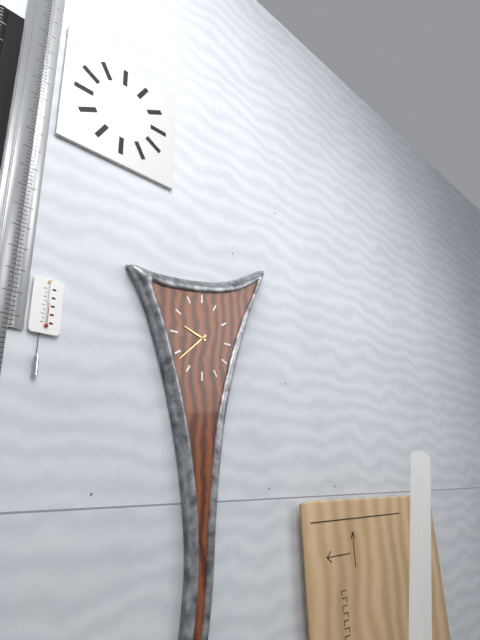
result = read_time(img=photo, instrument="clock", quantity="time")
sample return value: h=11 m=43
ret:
h=9 m=38
